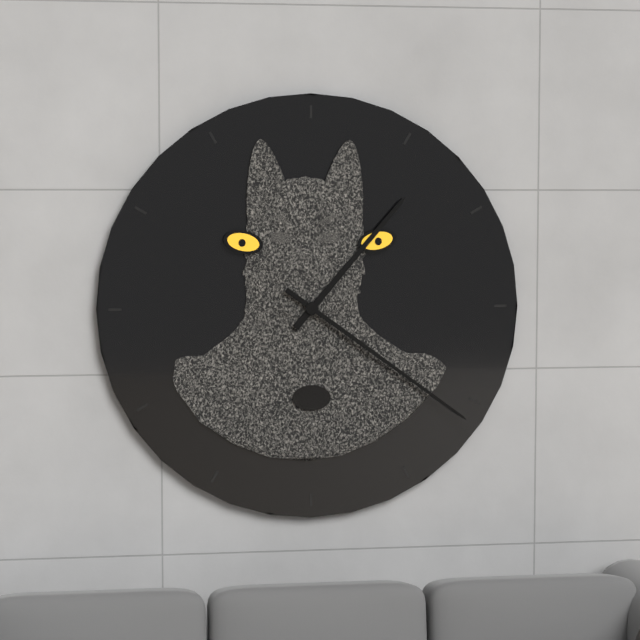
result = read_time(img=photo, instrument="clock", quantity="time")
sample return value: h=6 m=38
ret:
h=1 m=21
